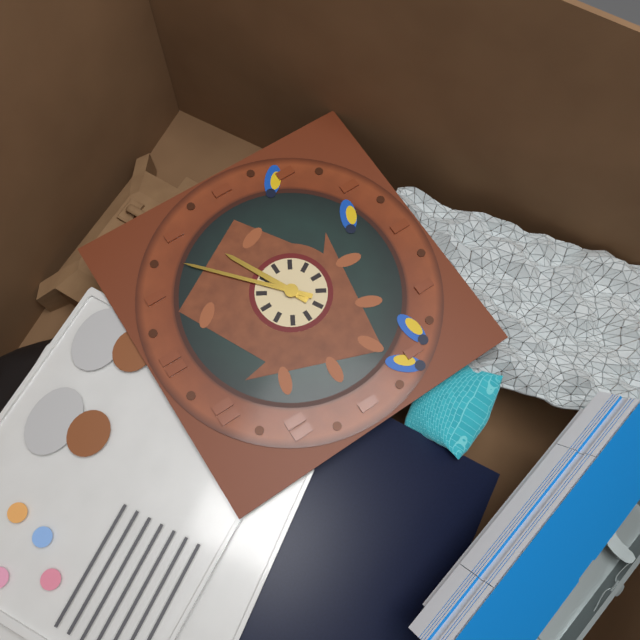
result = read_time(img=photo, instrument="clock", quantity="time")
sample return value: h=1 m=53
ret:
h=2 m=8
